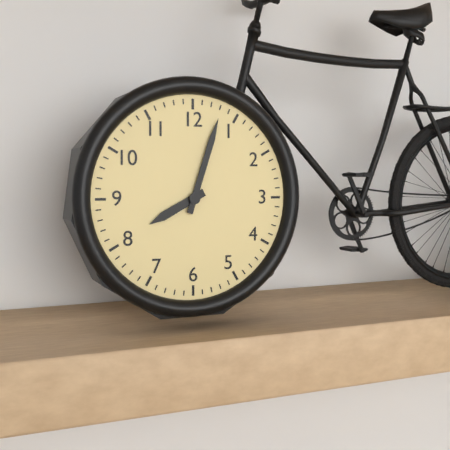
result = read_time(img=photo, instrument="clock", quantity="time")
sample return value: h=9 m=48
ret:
h=8 m=3
